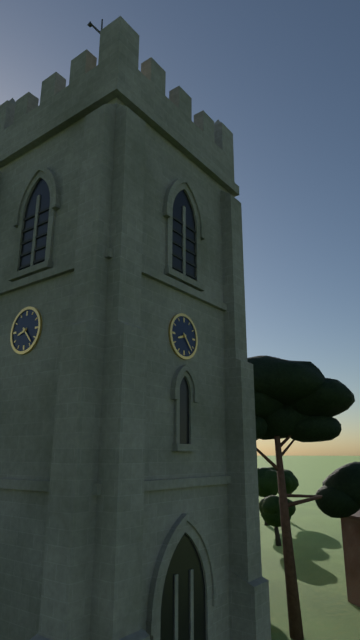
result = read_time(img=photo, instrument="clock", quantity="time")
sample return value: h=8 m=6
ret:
h=8 m=23
